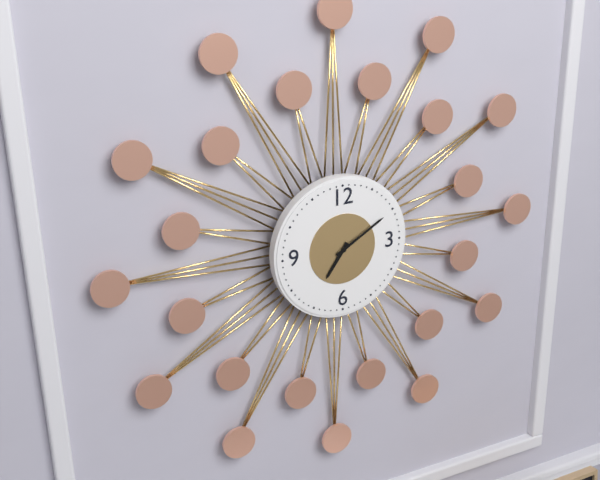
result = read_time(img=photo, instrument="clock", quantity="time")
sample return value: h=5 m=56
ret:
h=7 m=10
